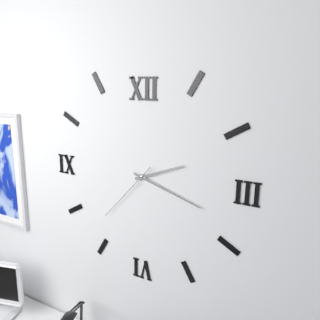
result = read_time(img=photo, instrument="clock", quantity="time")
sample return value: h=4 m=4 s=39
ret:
h=2 m=18 s=37
